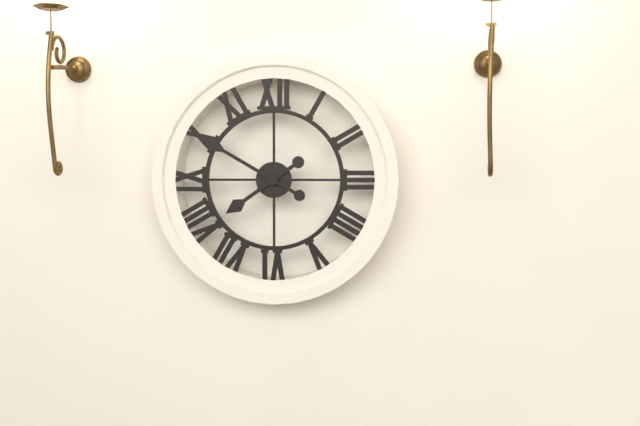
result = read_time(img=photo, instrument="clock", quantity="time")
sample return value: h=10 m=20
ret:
h=7 m=50
